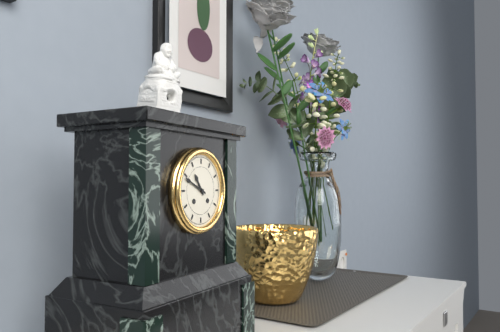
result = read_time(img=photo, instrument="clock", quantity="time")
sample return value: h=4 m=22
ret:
h=10 m=49
